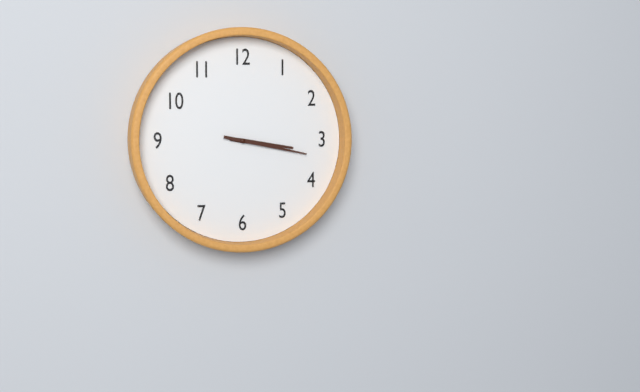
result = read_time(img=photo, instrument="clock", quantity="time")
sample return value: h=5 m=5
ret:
h=3 m=17
